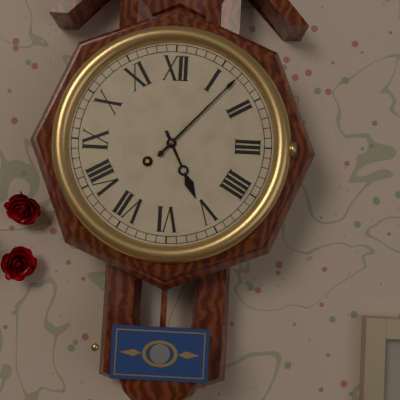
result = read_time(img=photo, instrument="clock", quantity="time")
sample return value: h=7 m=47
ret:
h=5 m=7
